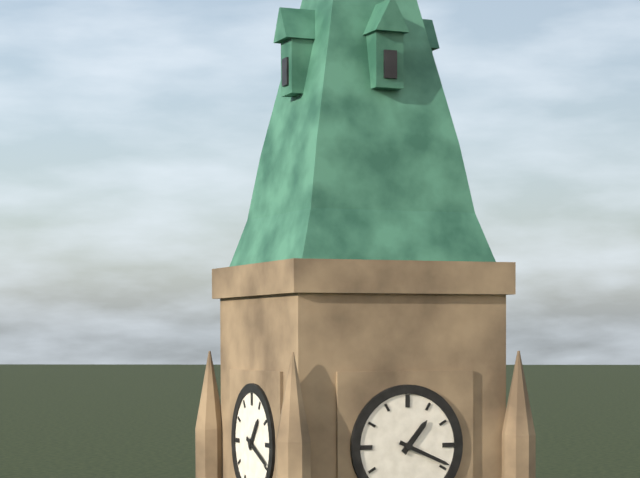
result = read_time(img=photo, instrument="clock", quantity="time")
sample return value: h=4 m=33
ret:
h=1 m=19
